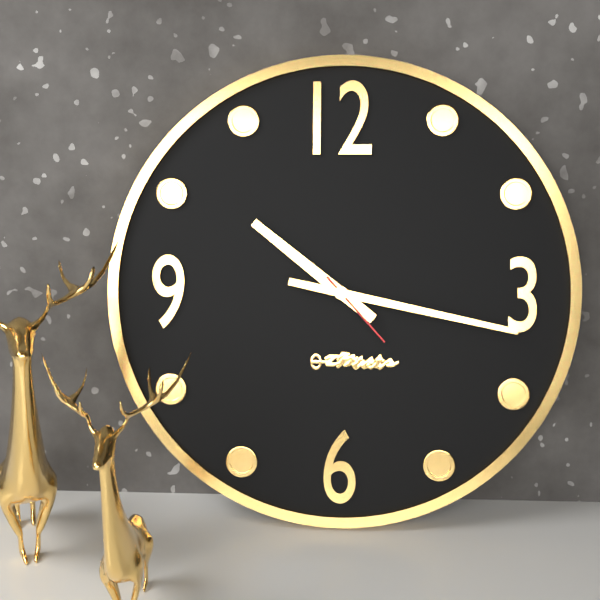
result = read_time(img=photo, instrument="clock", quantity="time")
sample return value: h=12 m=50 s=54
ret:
h=10 m=17 s=23
